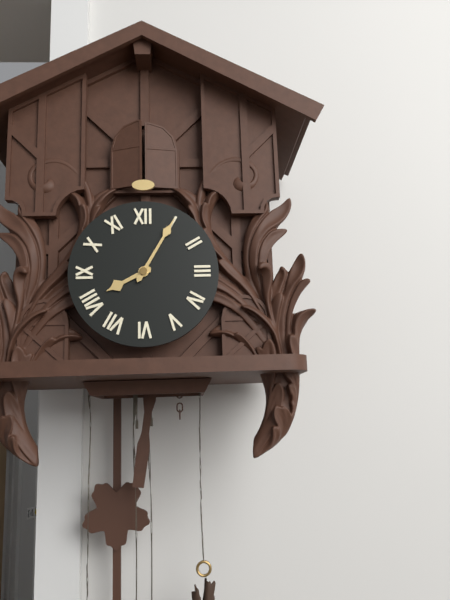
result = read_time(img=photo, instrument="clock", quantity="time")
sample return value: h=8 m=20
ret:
h=8 m=5
